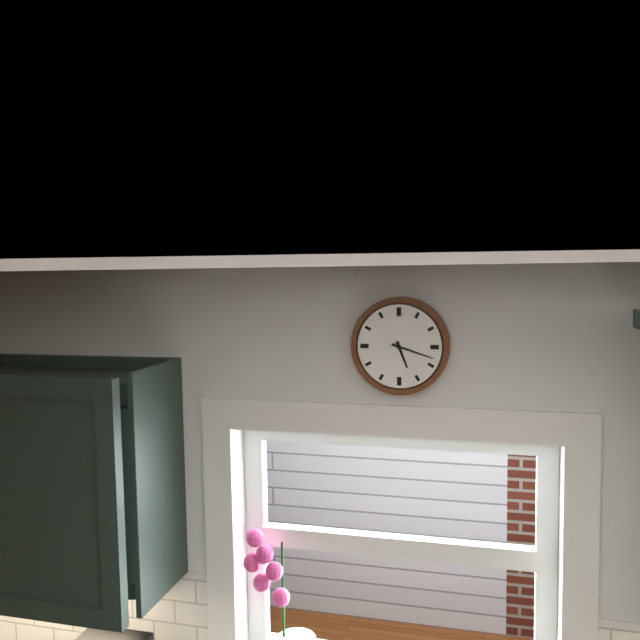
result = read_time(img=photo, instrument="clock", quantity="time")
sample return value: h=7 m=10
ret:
h=5 m=18
